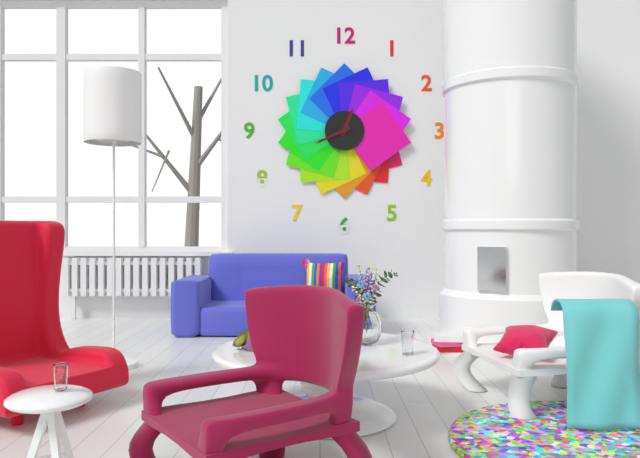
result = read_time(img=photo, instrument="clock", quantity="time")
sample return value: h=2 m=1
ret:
h=12 m=41
